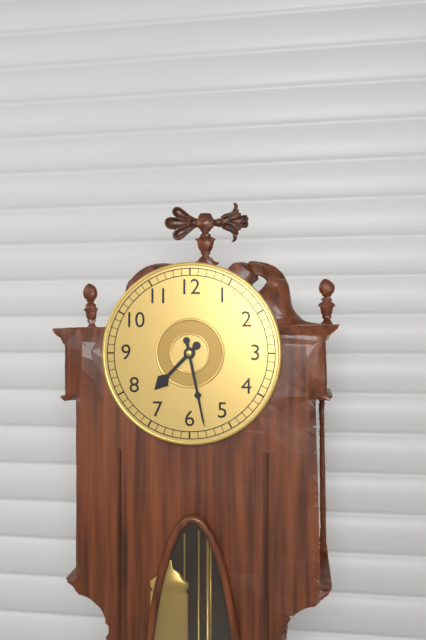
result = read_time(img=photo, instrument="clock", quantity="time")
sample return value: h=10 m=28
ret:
h=7 m=28
